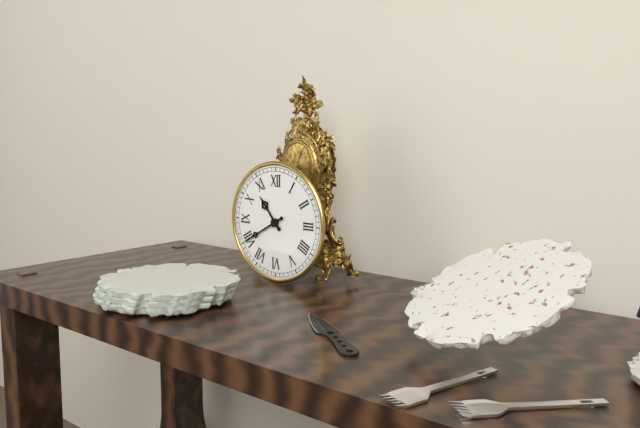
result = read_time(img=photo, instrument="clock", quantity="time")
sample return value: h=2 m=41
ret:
h=10 m=40
